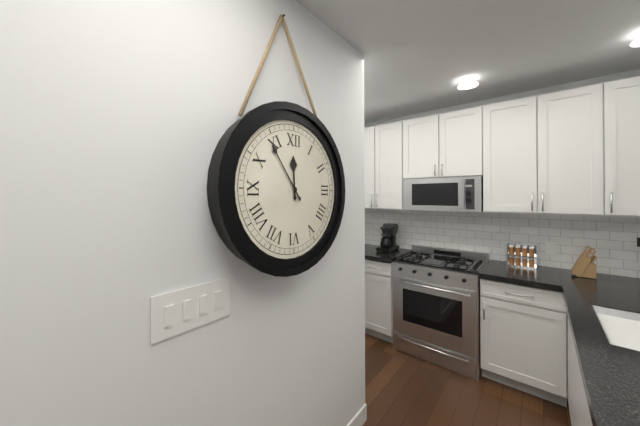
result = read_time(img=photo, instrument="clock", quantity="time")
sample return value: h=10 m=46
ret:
h=11 m=54
